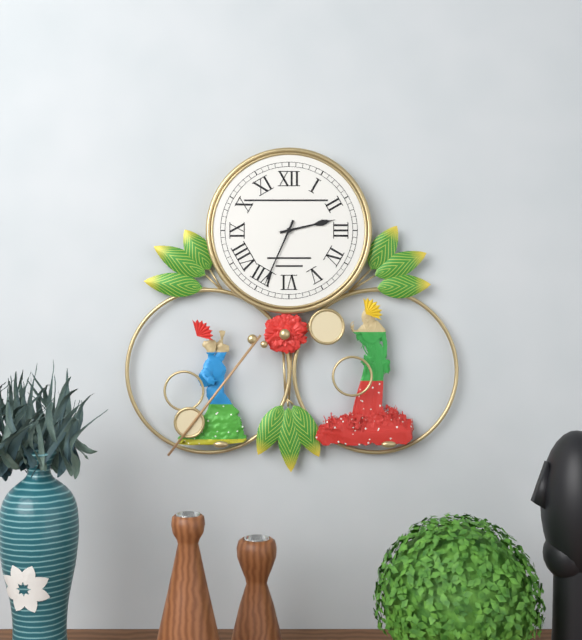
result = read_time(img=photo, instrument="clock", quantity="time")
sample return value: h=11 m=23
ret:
h=2 m=34
